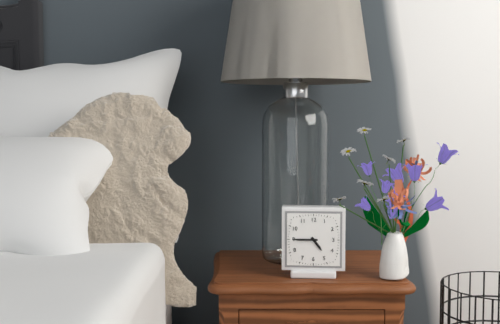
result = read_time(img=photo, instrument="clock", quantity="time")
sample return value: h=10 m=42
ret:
h=4 m=45
